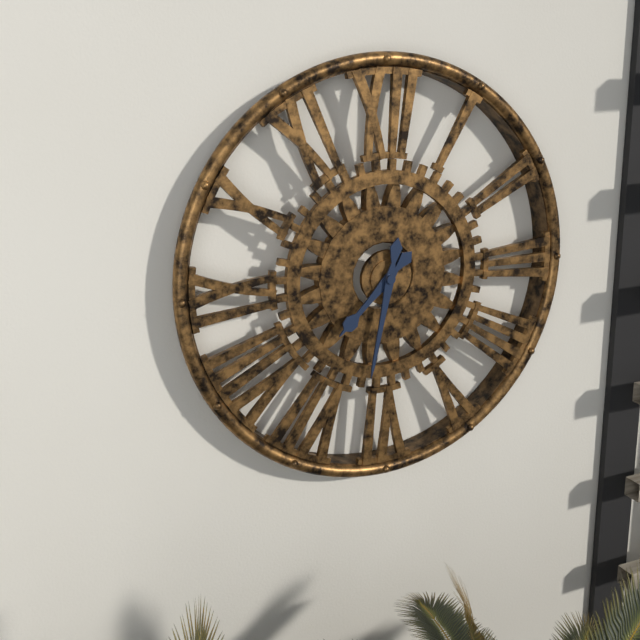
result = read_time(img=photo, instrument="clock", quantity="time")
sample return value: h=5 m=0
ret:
h=7 m=32
